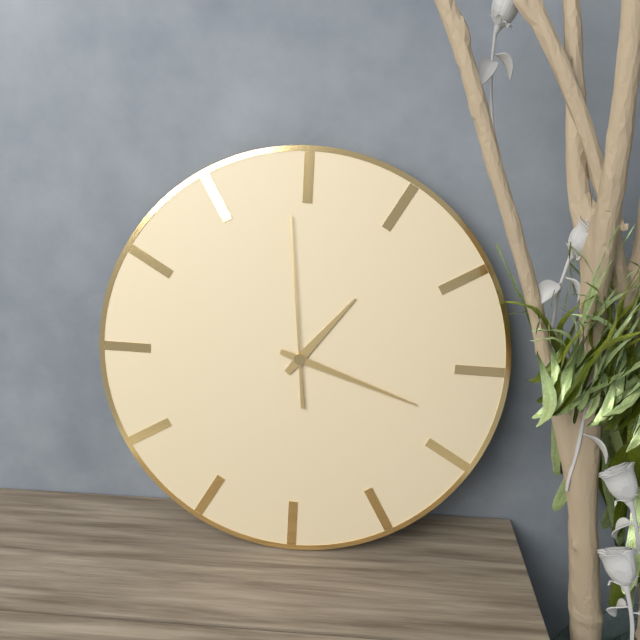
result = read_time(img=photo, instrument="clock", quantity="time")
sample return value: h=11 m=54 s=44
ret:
h=1 m=18 s=59
